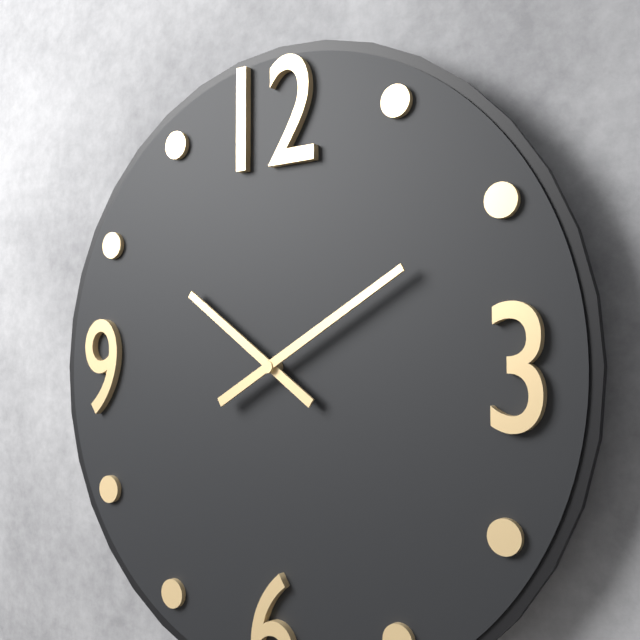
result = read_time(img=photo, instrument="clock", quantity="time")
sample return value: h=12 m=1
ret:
h=10 m=10
